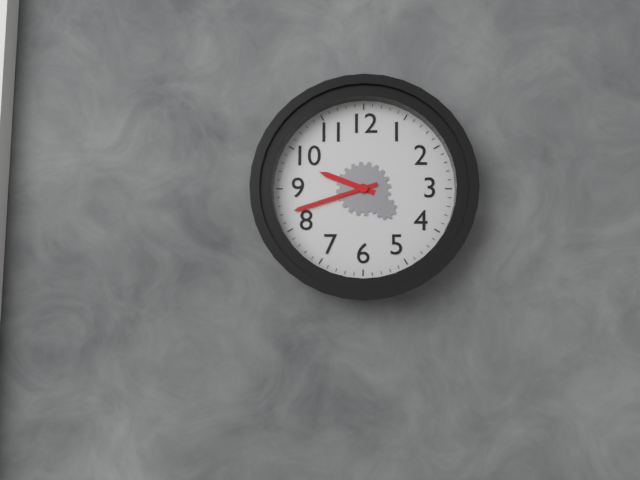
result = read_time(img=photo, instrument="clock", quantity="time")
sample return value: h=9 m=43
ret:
h=9 m=42
